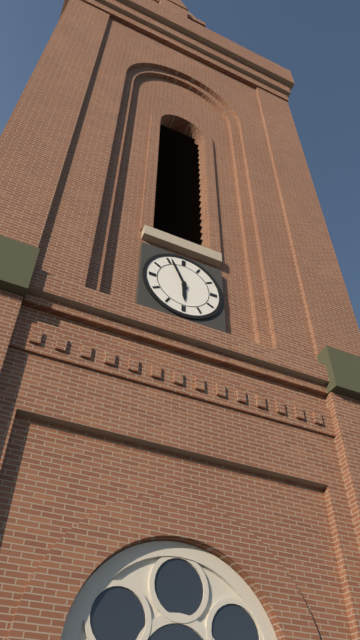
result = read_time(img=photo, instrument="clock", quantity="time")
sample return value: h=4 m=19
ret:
h=5 m=56
